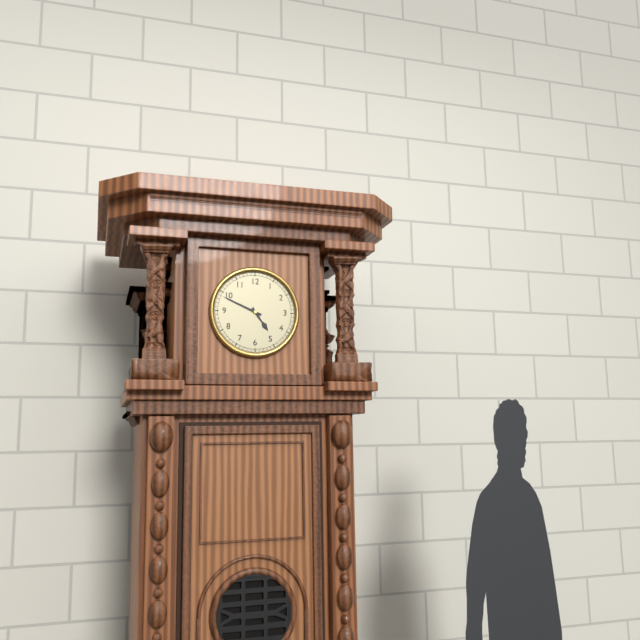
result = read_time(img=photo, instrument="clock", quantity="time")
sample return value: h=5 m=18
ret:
h=4 m=49
